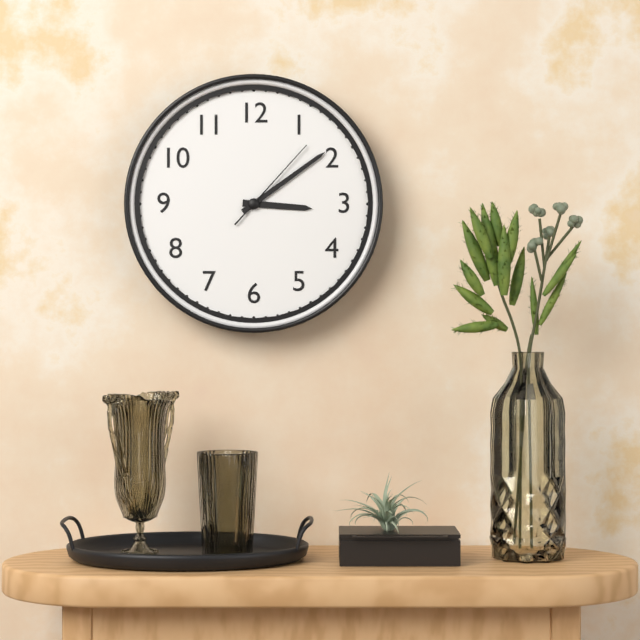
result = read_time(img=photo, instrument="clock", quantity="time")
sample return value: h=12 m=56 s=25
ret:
h=3 m=9 s=7
